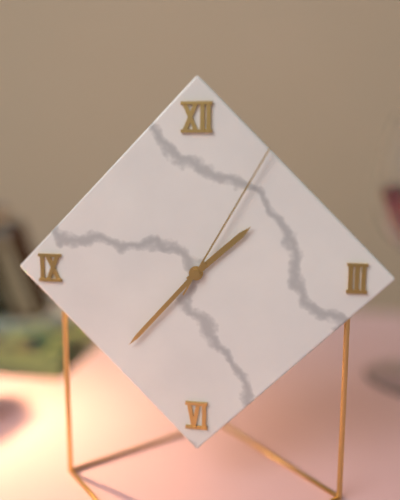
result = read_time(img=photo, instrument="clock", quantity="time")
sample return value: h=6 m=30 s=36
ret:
h=1 m=37 s=5
